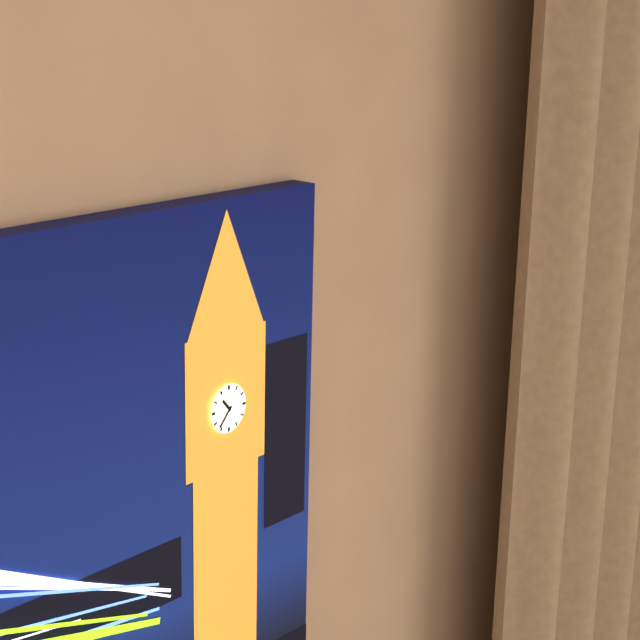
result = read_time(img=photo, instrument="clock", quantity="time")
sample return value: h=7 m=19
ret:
h=10 m=37
